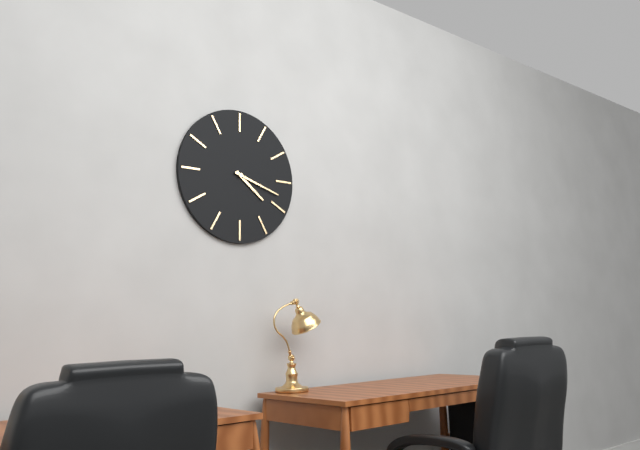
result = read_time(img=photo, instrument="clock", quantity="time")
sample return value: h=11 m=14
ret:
h=4 m=18
